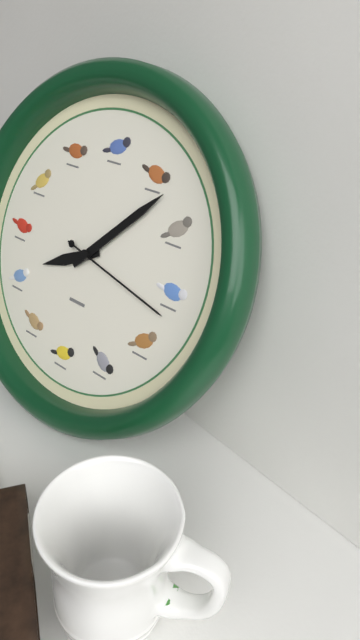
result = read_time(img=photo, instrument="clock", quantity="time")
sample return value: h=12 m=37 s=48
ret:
h=8 m=7 s=17
